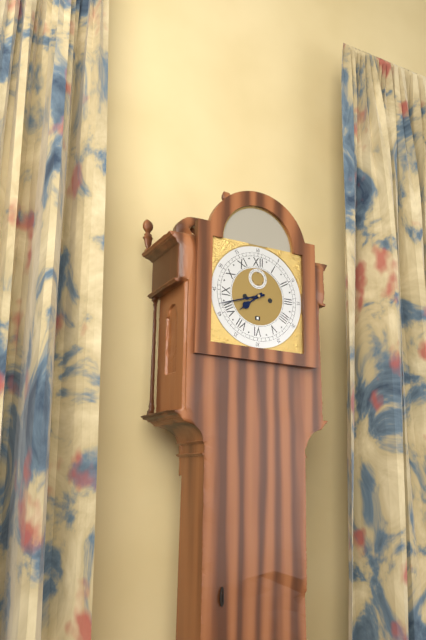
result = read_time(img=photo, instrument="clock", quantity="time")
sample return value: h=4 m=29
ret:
h=7 m=42
